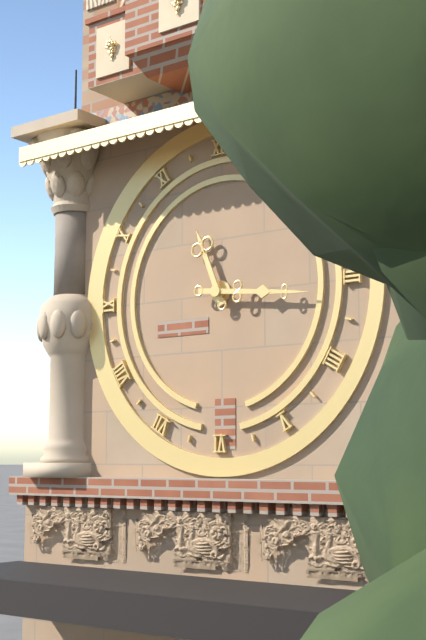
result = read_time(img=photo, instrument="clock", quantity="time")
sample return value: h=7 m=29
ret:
h=11 m=16
